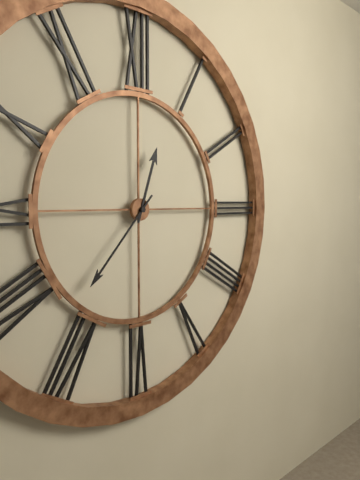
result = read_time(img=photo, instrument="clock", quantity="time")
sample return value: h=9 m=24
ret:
h=12 m=37
